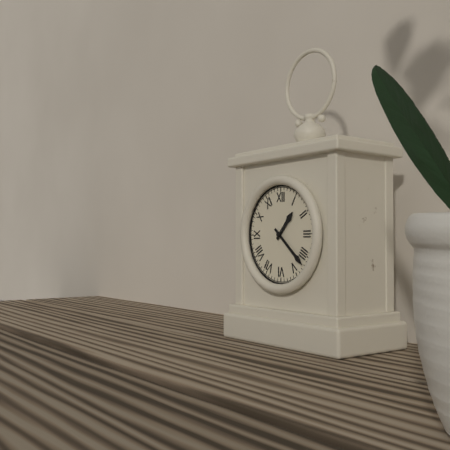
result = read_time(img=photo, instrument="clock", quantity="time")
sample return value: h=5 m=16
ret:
h=1 m=22
